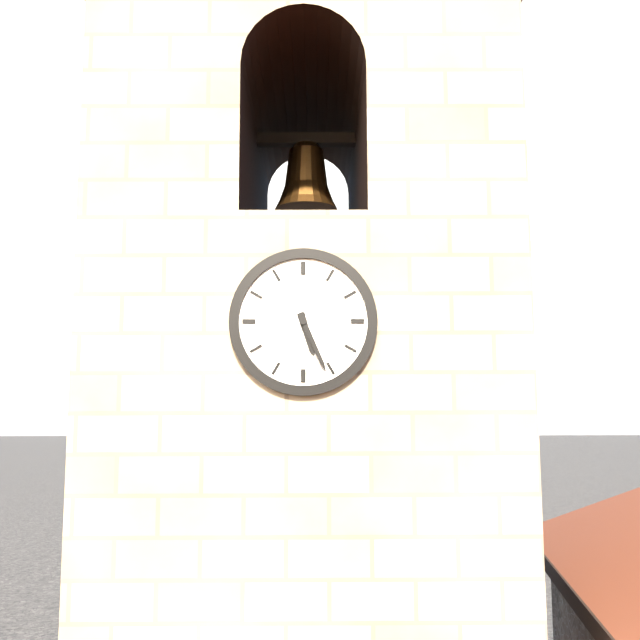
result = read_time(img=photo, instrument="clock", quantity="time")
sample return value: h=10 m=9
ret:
h=5 m=26
